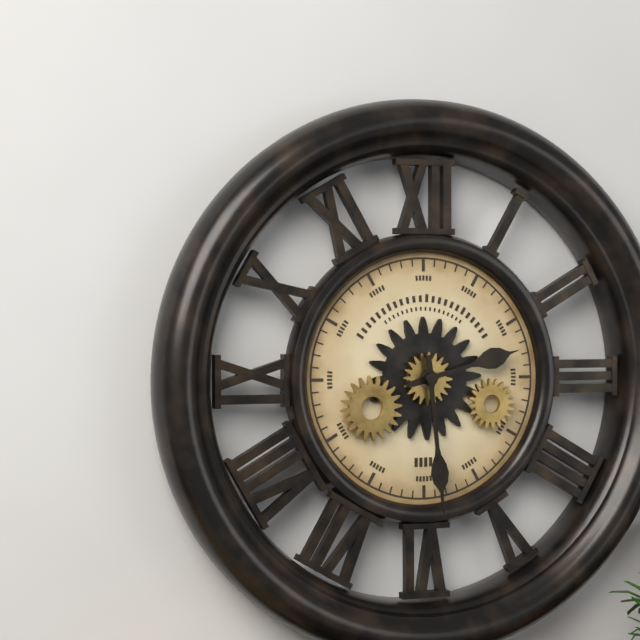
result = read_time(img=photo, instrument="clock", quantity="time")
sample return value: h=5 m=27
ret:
h=2 m=29
